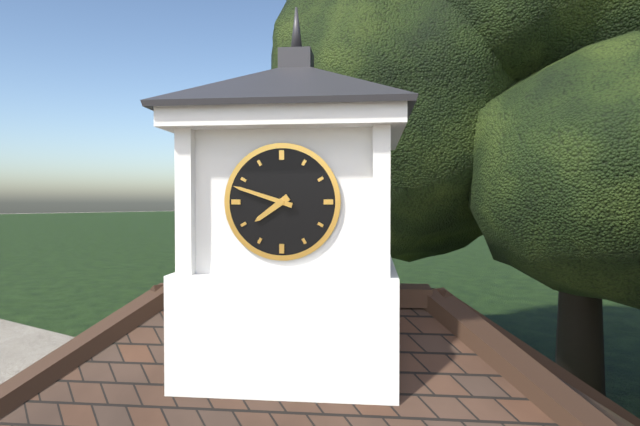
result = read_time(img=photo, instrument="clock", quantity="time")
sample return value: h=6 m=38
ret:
h=7 m=48
